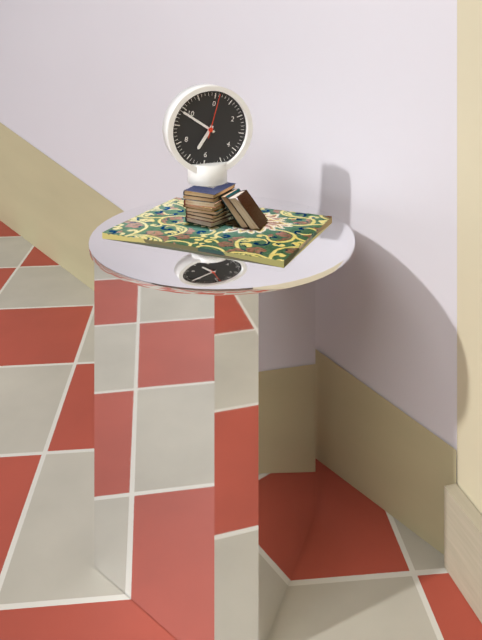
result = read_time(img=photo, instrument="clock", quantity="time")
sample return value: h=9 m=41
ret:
h=6 m=49
